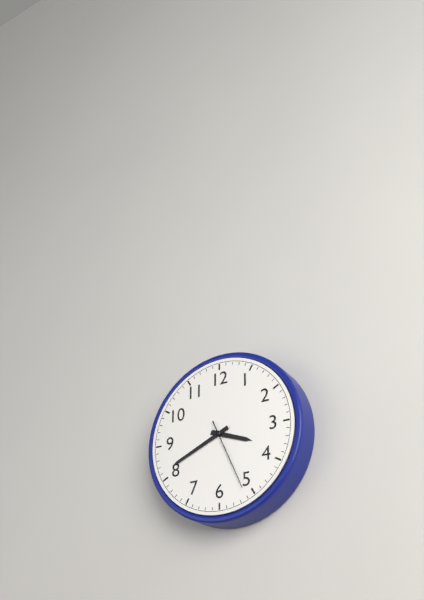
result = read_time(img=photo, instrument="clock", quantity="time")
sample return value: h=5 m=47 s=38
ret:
h=3 m=41 s=26
